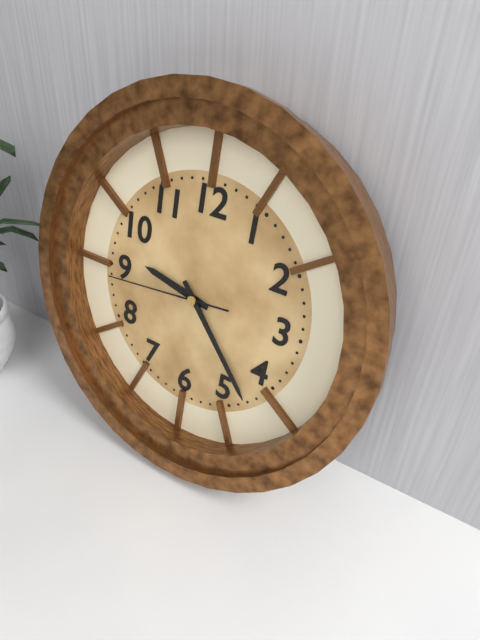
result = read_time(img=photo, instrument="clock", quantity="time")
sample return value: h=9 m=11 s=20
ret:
h=9 m=23 s=44
